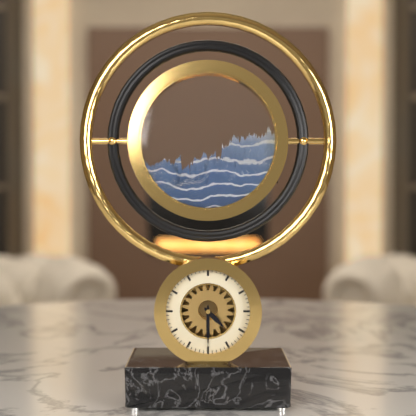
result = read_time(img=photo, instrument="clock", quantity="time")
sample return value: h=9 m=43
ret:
h=4 m=30
